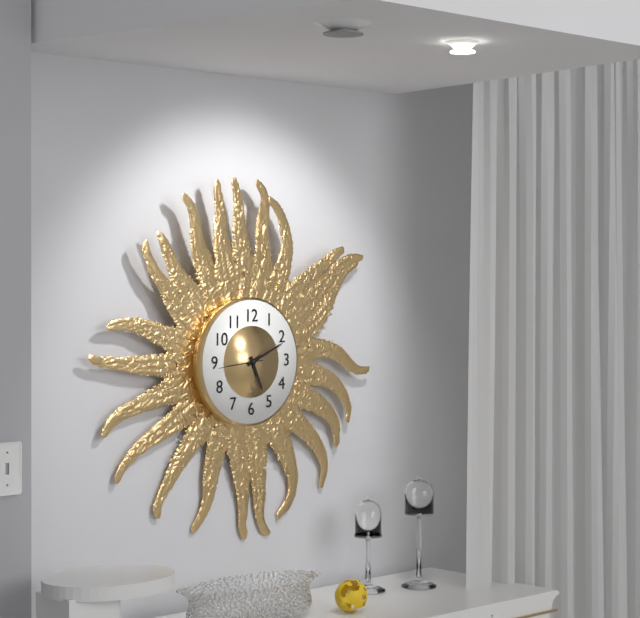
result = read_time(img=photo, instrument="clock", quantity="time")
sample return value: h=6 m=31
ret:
h=5 m=11
